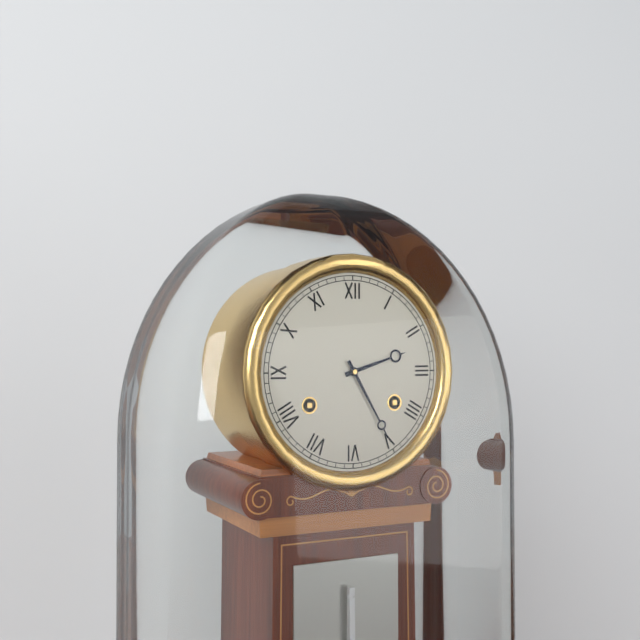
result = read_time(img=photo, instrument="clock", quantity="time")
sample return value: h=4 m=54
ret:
h=2 m=25
